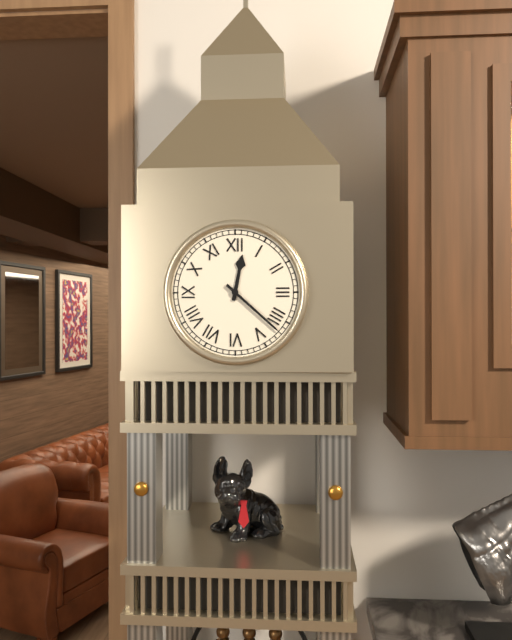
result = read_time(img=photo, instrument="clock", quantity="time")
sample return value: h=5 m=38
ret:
h=12 m=22
